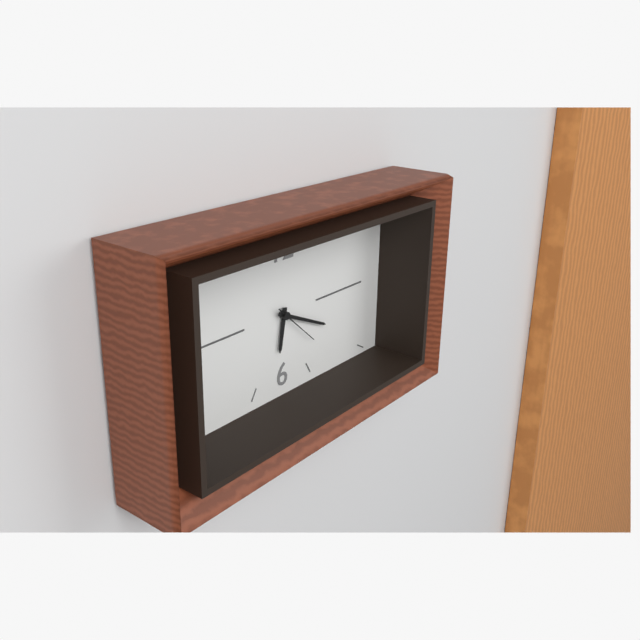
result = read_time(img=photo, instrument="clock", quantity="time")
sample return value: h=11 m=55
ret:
h=6 m=19
